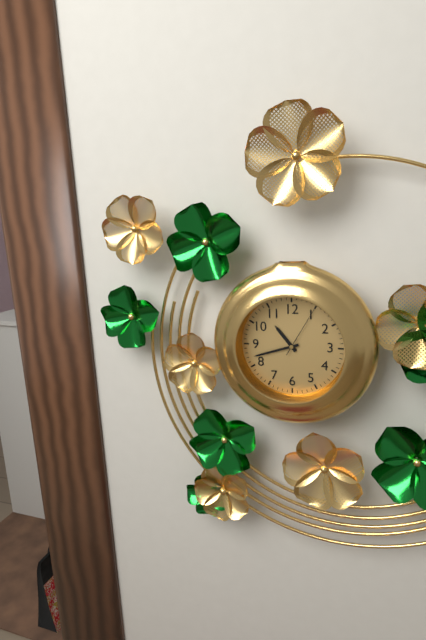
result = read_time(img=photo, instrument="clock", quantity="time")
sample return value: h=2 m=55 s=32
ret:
h=10 m=42 s=5
